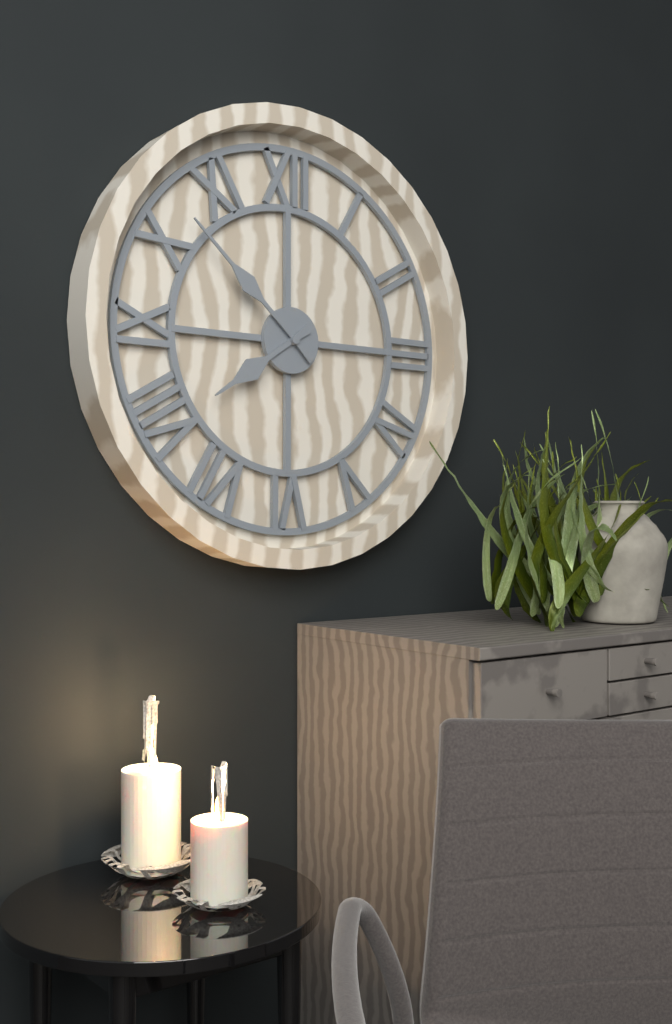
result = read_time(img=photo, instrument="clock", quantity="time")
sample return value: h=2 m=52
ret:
h=7 m=52
